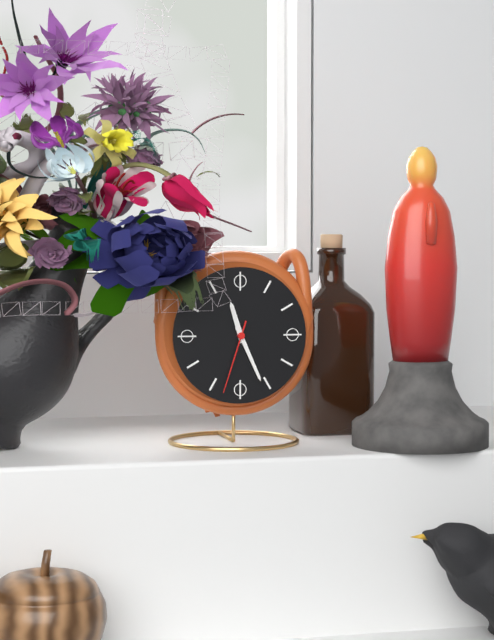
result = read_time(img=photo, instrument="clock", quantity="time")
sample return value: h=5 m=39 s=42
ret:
h=11 m=26 s=33
